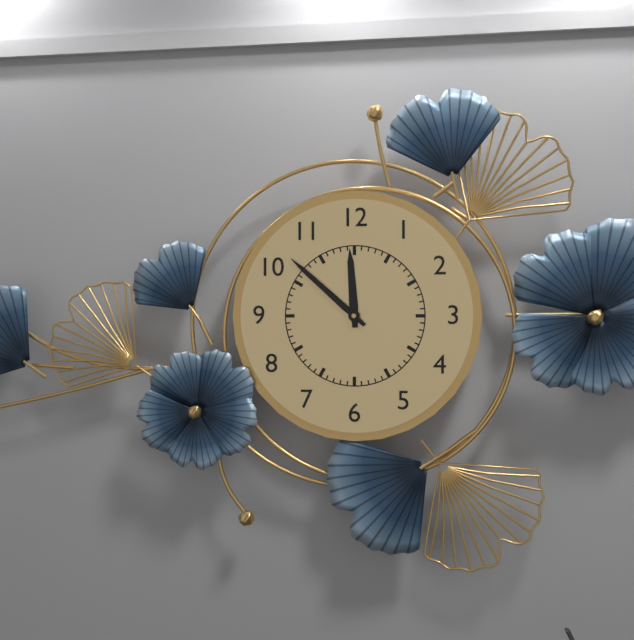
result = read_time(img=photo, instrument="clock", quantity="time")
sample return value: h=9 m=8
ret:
h=11 m=52
